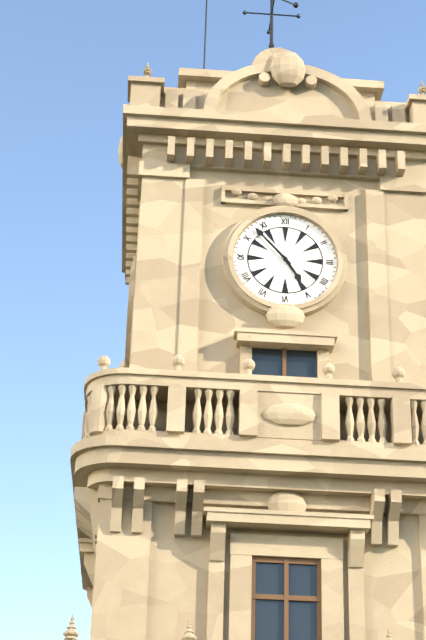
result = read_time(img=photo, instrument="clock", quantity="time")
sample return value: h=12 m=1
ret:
h=4 m=53
